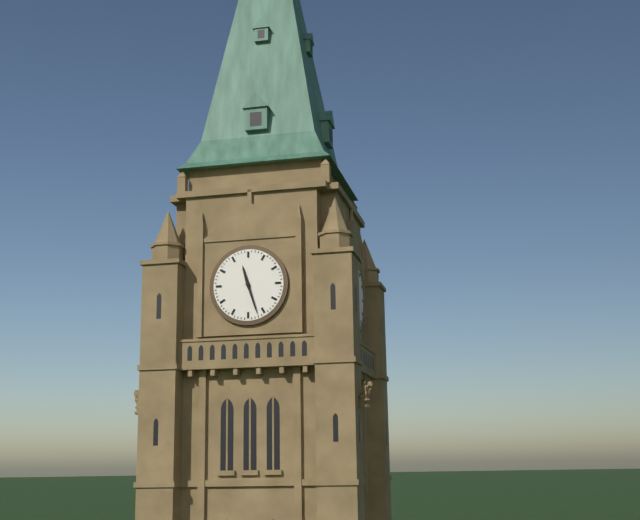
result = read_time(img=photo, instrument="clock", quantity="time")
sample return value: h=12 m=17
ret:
h=11 m=27
